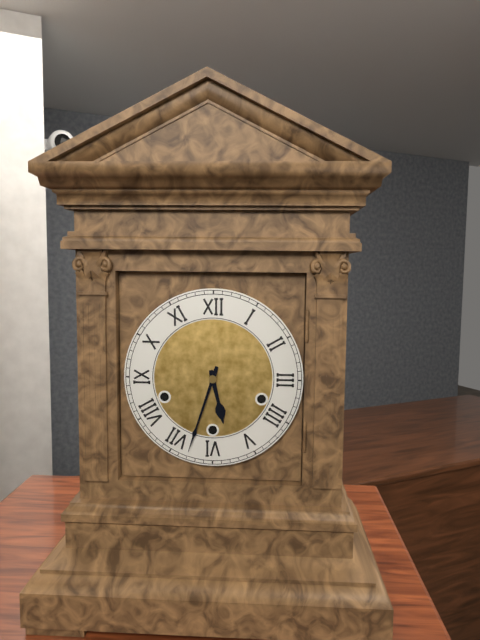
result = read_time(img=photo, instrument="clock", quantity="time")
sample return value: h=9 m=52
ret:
h=5 m=33
